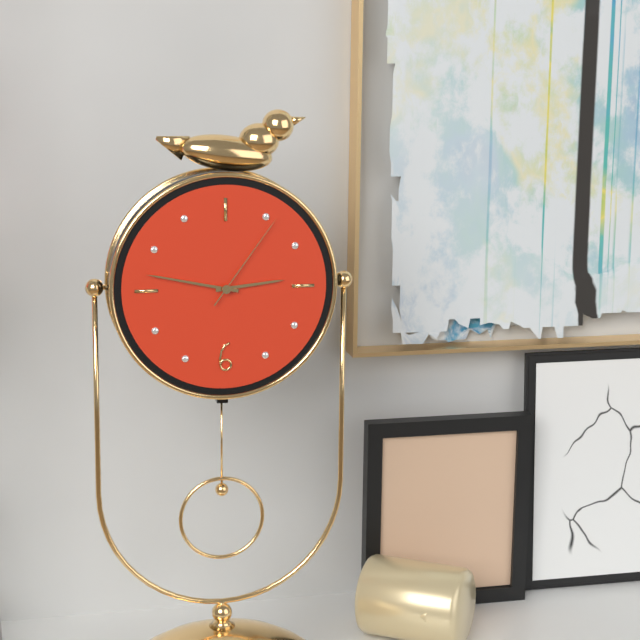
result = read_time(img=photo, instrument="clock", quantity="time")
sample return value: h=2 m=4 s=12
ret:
h=2 m=47 s=6
